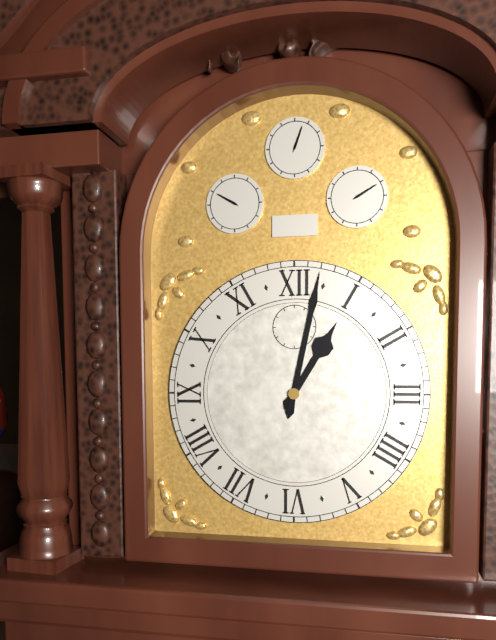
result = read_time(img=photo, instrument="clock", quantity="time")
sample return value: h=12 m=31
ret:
h=1 m=2
